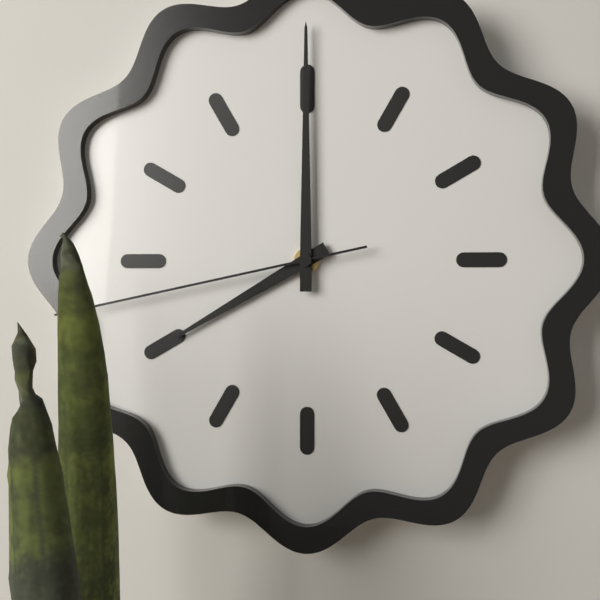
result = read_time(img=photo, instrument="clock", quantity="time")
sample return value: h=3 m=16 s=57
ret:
h=8 m=0 s=43
